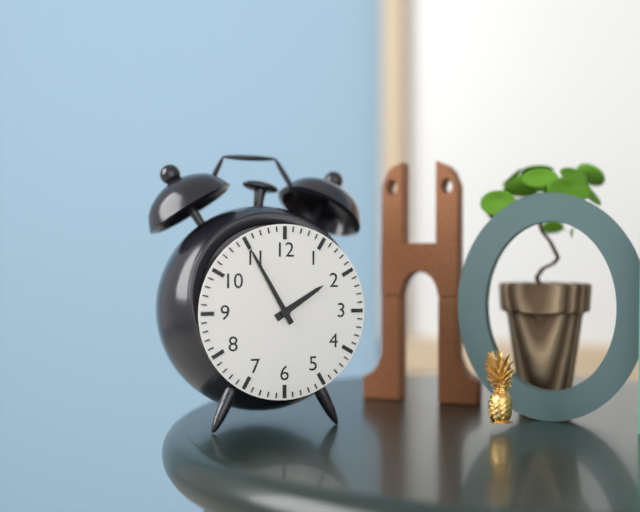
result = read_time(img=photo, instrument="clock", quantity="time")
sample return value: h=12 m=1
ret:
h=1 m=55
